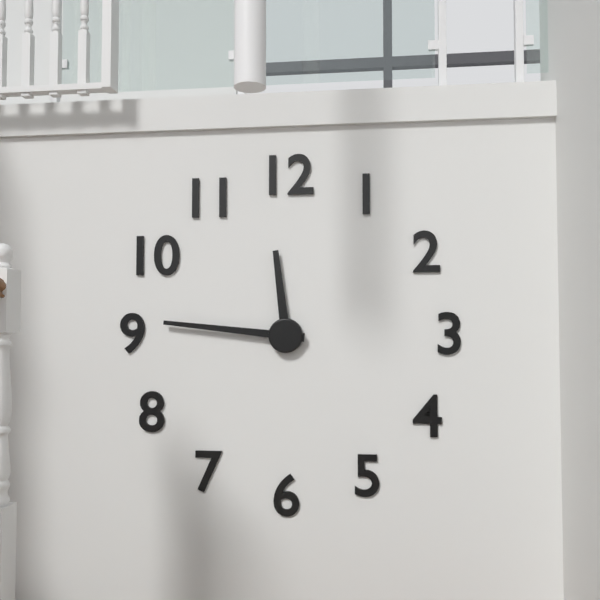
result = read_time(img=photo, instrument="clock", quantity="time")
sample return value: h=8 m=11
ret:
h=11 m=46
